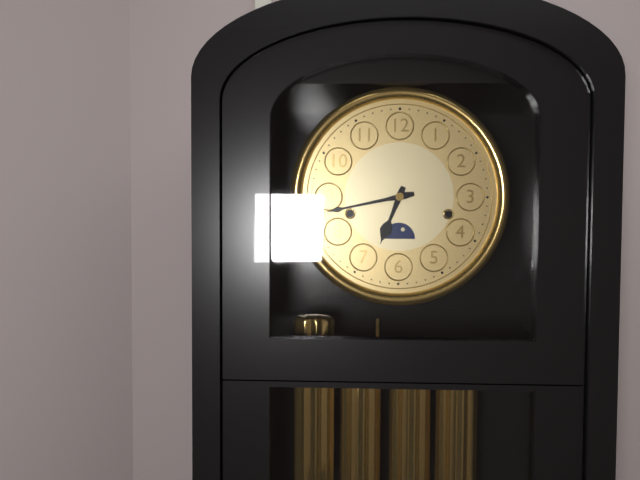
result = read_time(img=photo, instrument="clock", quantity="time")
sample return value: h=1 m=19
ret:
h=6 m=43
